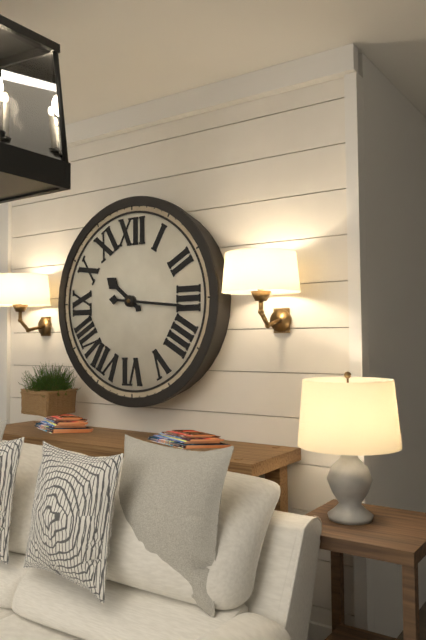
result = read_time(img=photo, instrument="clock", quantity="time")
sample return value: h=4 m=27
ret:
h=10 m=16
